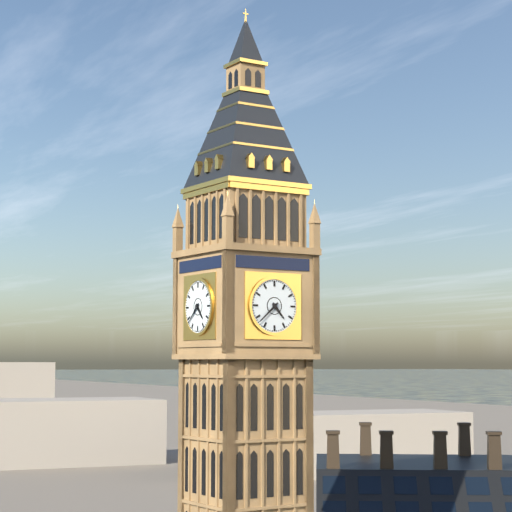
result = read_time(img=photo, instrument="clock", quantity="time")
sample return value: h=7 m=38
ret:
h=4 m=38
